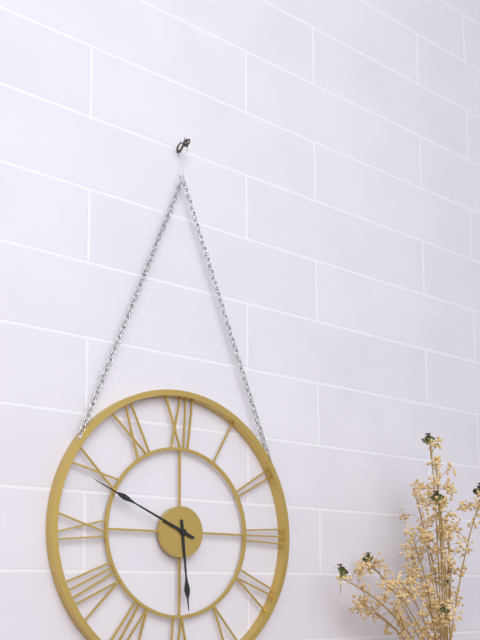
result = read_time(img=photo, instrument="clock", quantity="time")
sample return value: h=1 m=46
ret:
h=5 m=49
